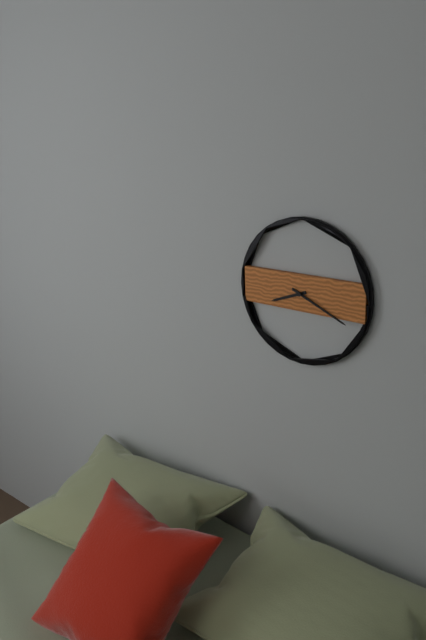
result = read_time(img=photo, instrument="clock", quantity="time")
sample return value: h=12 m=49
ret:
h=8 m=19
